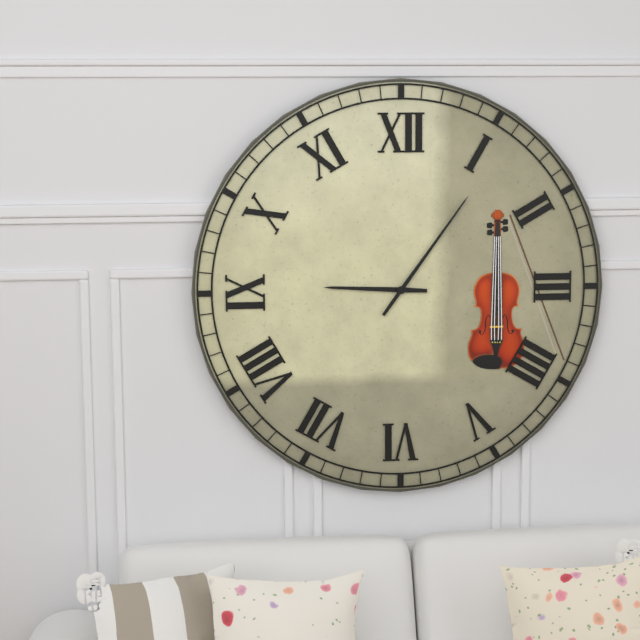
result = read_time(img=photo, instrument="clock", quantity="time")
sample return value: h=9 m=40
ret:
h=9 m=6
